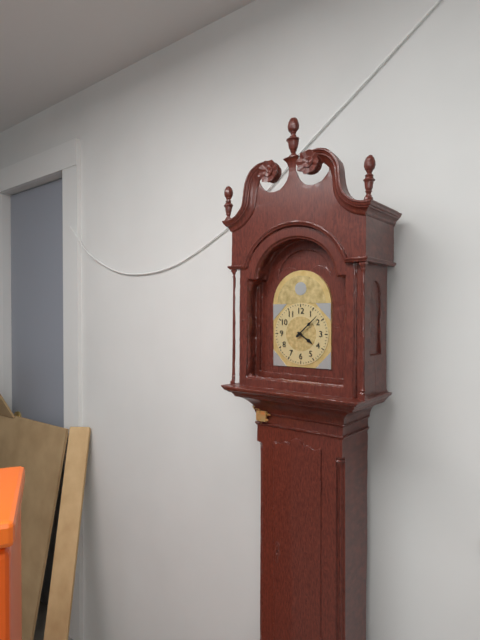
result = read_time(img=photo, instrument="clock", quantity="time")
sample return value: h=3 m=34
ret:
h=4 m=8
